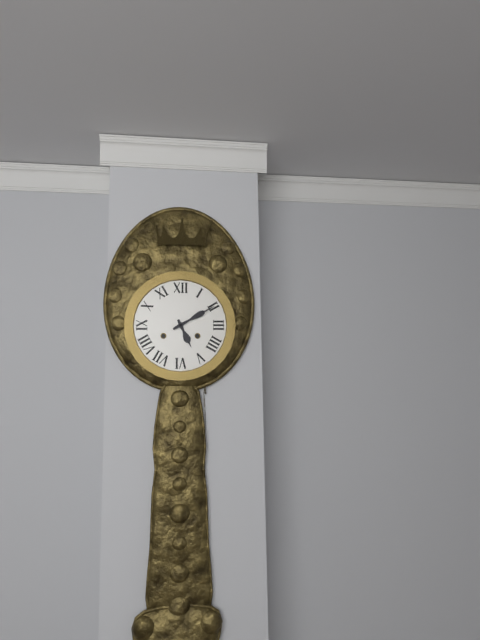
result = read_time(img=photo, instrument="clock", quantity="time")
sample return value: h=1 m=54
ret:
h=5 m=10
